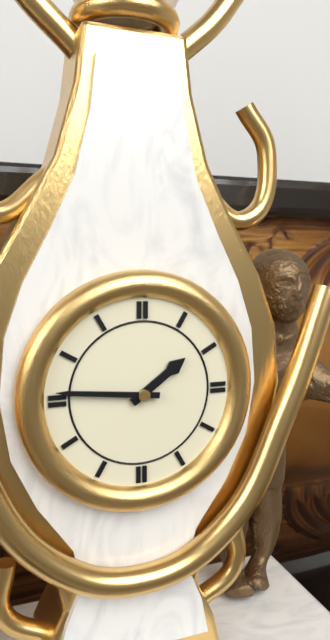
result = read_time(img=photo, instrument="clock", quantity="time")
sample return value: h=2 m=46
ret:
h=1 m=46
